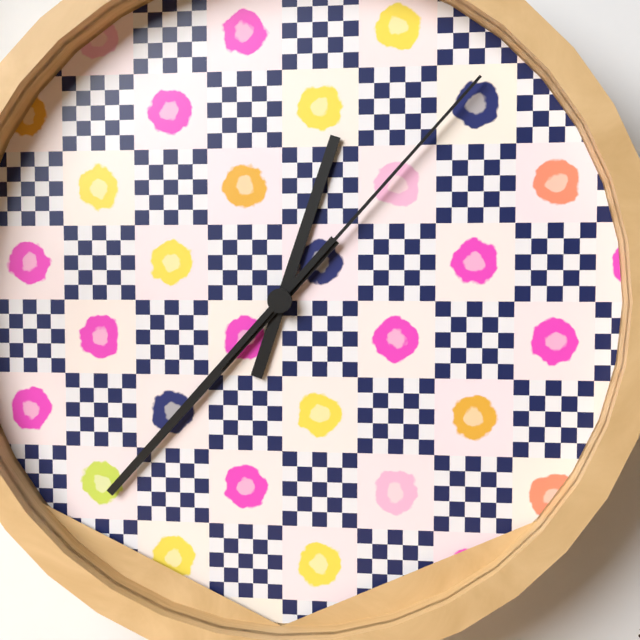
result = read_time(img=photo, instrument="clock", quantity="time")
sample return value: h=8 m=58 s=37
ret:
h=12 m=37 s=7
